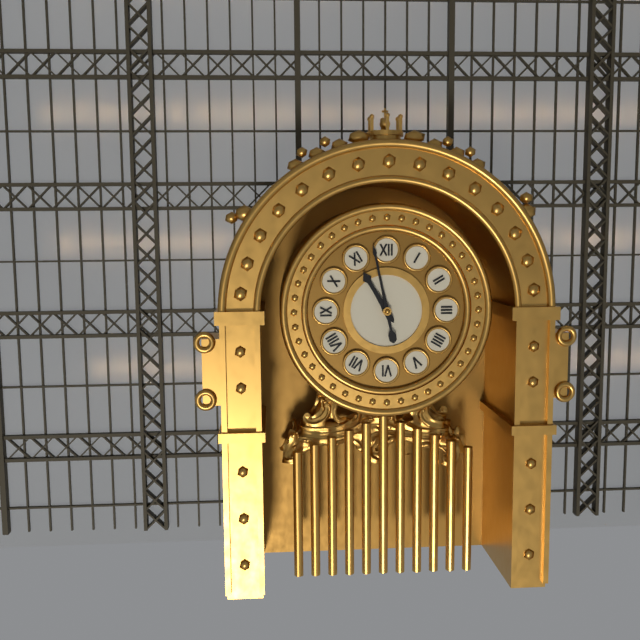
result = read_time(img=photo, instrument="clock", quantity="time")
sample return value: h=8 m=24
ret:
h=10 m=58
